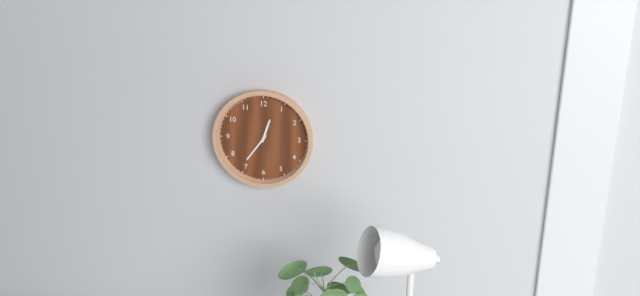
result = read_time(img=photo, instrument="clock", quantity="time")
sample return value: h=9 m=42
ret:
h=12 m=36
